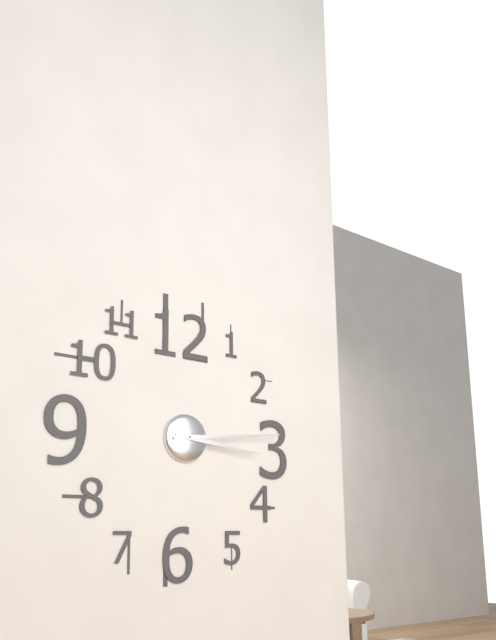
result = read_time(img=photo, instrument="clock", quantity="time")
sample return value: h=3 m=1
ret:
h=3 m=14
